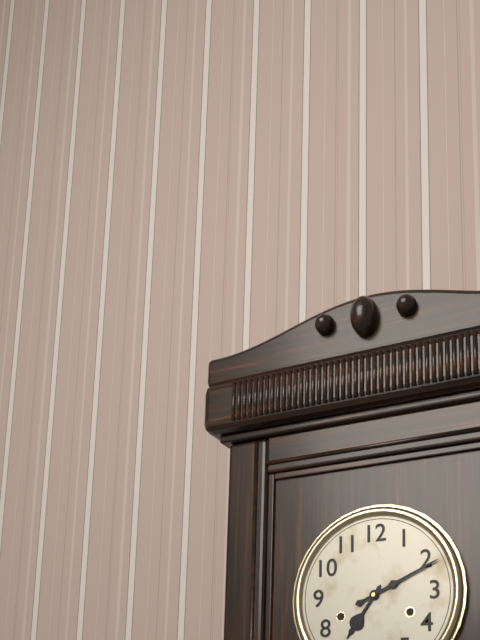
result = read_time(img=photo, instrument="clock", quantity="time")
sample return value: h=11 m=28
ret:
h=7 m=11
